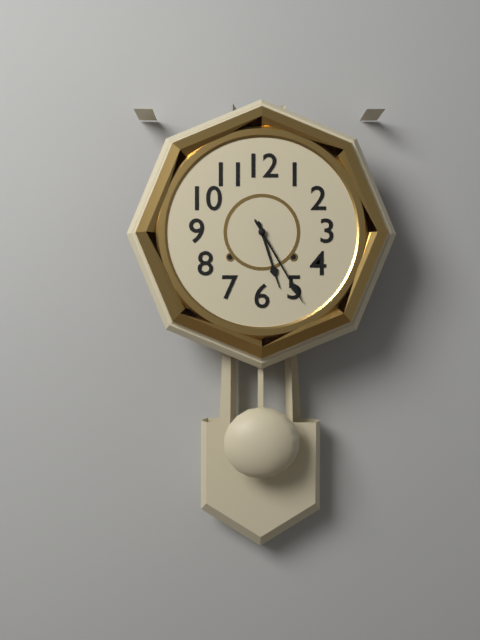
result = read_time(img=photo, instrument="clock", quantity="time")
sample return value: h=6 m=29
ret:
h=5 m=25
